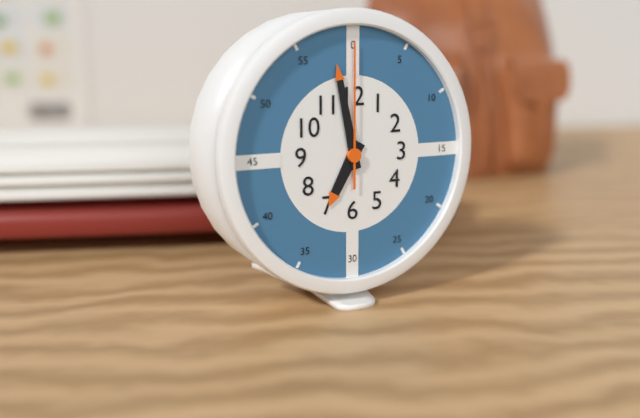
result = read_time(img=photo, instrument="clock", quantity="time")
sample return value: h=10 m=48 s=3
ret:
h=6 m=58 s=0
